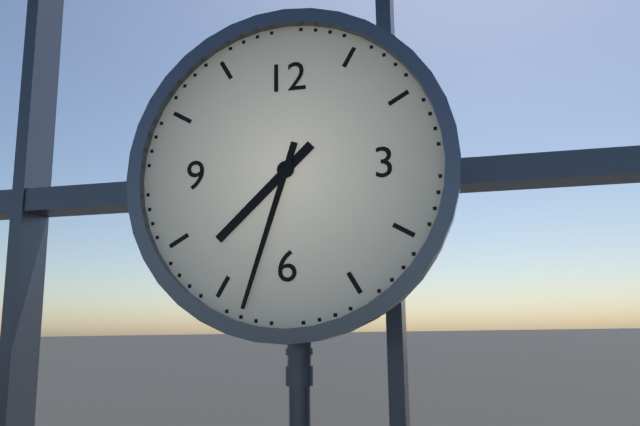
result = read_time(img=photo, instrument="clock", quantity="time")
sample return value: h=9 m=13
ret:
h=7 m=33
